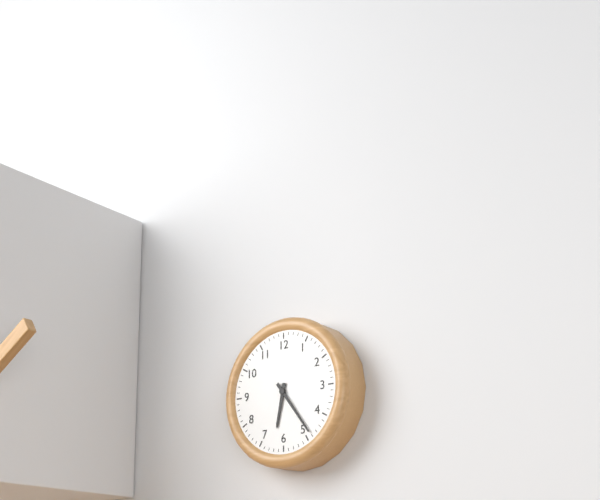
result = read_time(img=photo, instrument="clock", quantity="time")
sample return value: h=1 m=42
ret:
h=6 m=24
